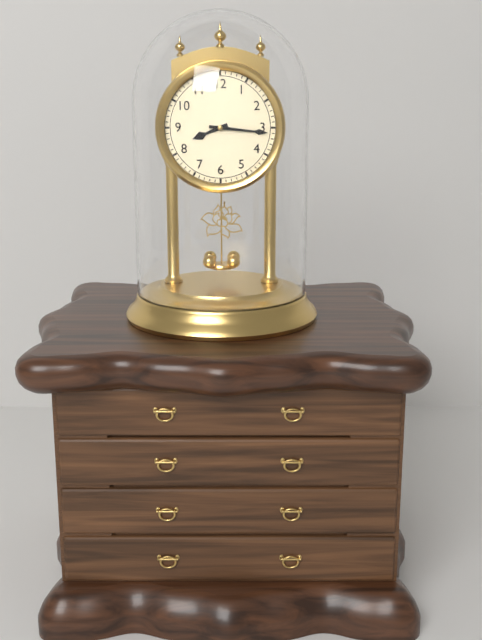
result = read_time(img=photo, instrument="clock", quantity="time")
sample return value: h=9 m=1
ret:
h=8 m=16
